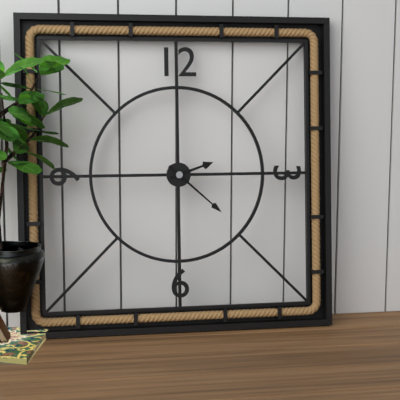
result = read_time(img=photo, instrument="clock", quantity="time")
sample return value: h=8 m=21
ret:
h=2 m=22
